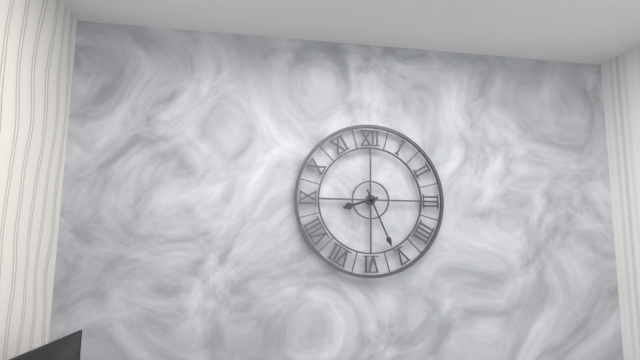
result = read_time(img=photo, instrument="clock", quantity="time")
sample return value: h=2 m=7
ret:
h=8 m=26
